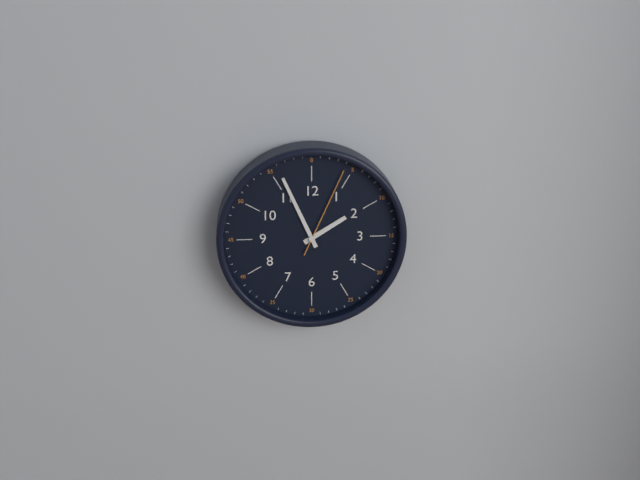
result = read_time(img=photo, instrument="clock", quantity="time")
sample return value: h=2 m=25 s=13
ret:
h=1 m=56 s=4
